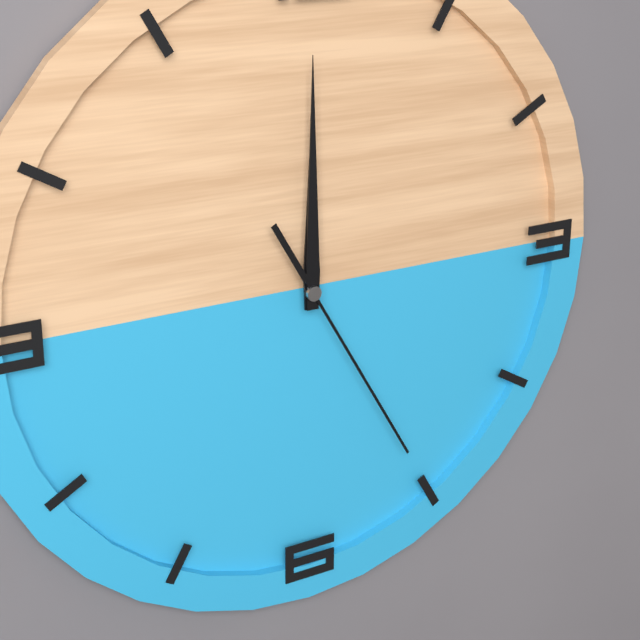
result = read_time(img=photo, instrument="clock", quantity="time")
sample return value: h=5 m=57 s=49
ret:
h=12 m=0 s=25
